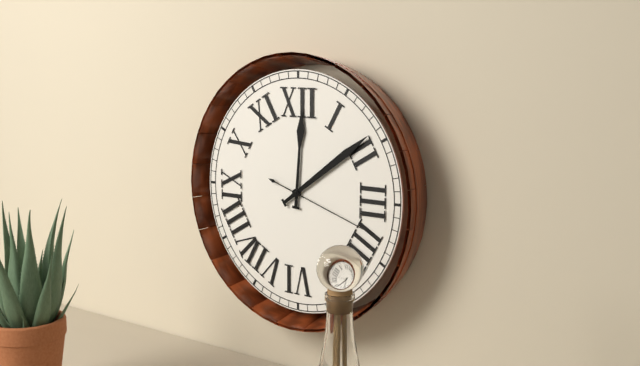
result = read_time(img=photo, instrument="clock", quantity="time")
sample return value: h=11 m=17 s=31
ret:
h=12 m=9 s=18
